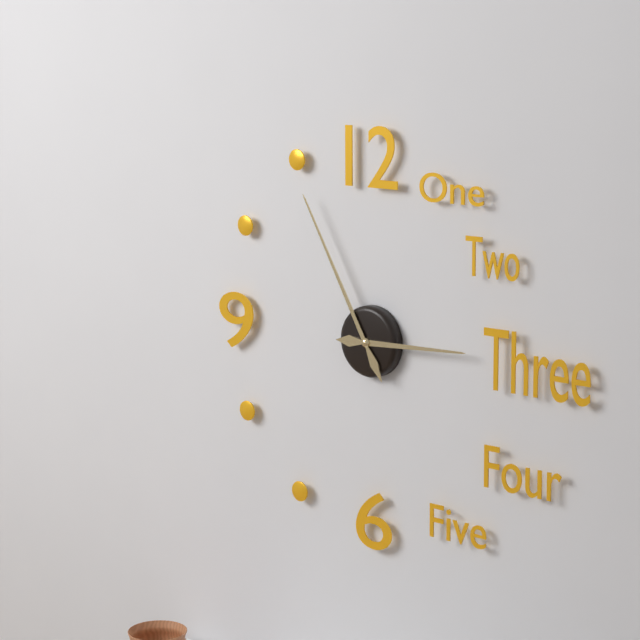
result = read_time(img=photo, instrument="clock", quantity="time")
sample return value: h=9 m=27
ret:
h=2 m=55
